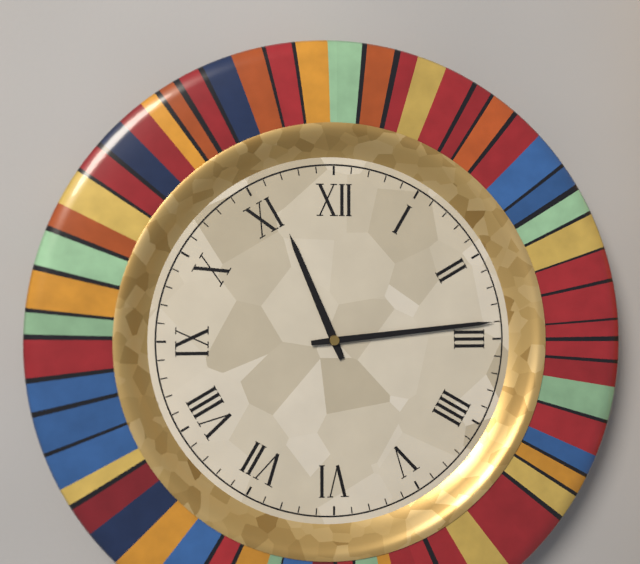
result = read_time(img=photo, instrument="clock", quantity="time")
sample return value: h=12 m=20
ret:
h=11 m=14
